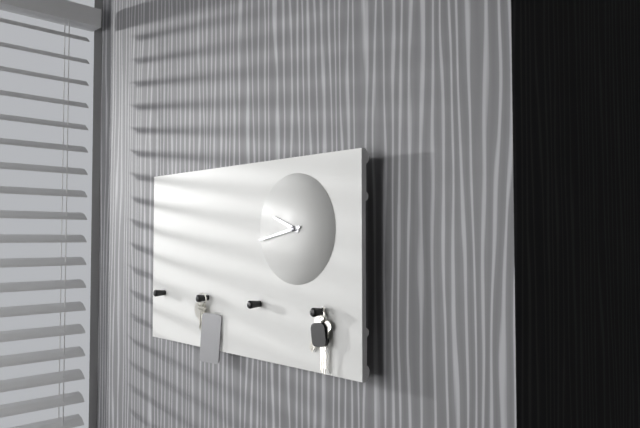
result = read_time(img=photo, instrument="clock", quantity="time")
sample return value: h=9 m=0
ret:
h=9 m=43
